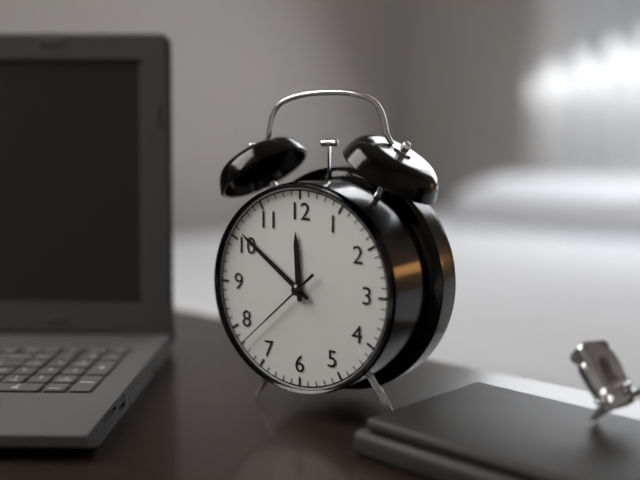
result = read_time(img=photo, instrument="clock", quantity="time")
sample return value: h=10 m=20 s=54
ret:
h=11 m=51 s=38
